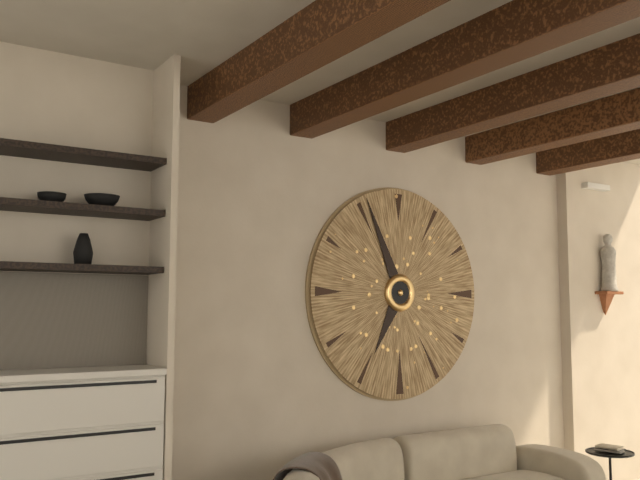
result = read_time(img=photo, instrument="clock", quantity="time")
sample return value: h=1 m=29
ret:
h=6 m=56
